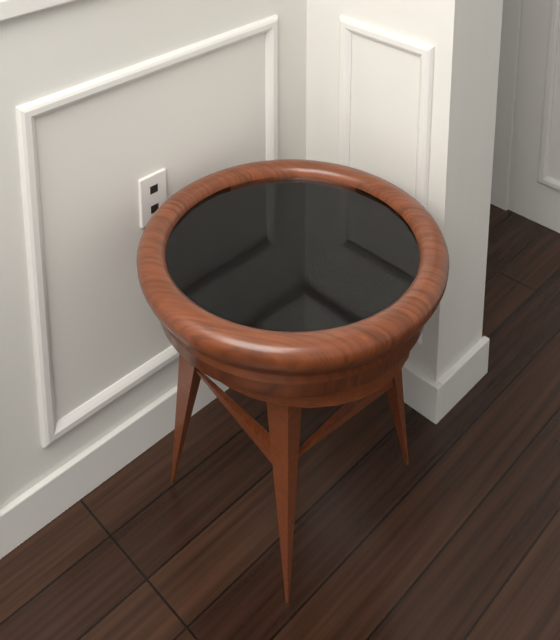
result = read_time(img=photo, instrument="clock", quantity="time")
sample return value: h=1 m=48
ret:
h=7 m=38
